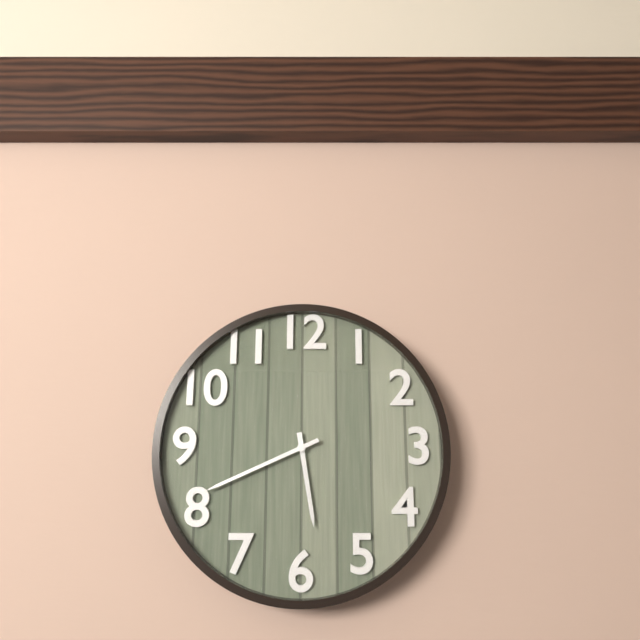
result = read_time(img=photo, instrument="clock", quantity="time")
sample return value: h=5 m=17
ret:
h=5 m=41
